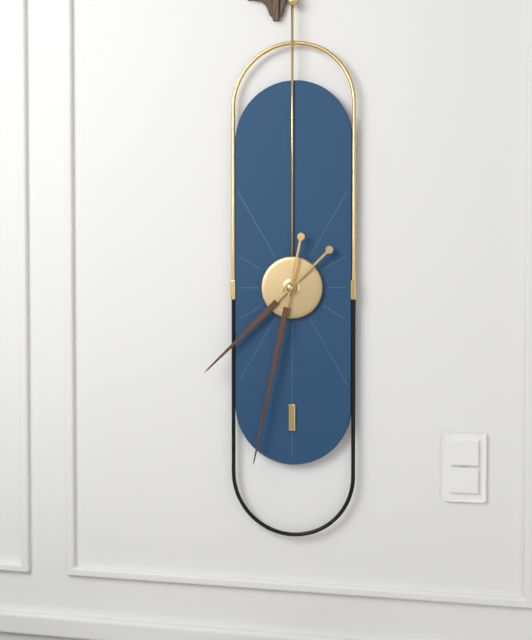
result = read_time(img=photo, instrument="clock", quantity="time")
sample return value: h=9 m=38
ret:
h=7 m=32
